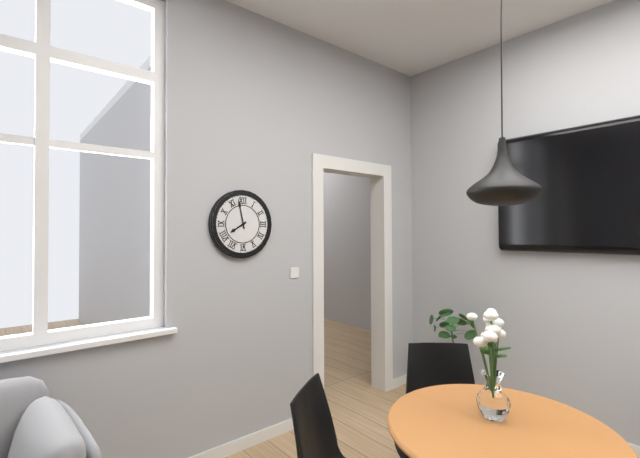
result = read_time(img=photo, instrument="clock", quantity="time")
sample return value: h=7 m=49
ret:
h=7 m=58
